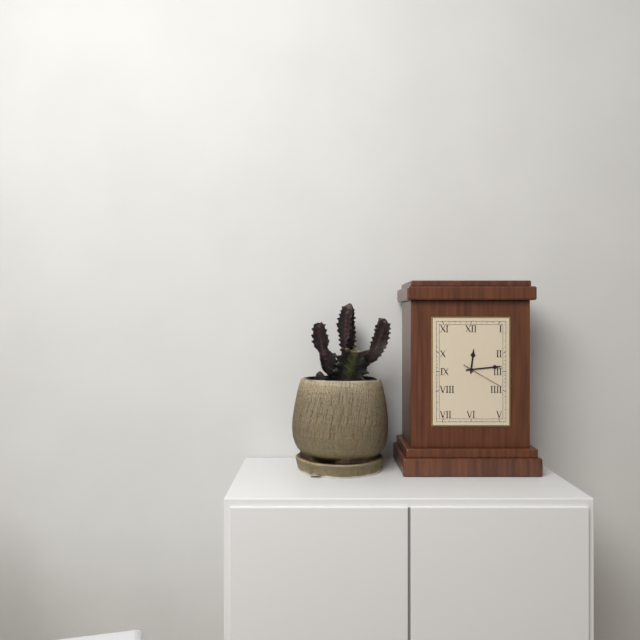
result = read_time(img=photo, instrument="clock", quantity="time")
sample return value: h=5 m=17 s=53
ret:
h=12 m=14 s=20
